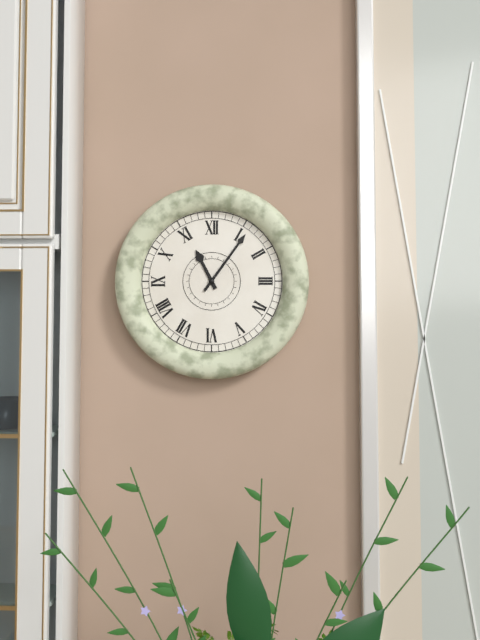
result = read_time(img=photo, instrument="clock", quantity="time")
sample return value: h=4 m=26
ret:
h=11 m=6
